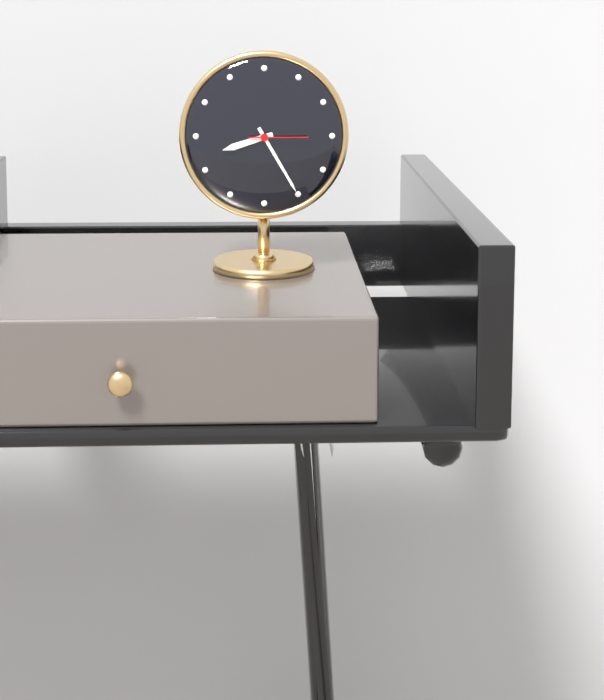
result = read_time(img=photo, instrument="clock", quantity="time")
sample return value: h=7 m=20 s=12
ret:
h=8 m=25 s=15
